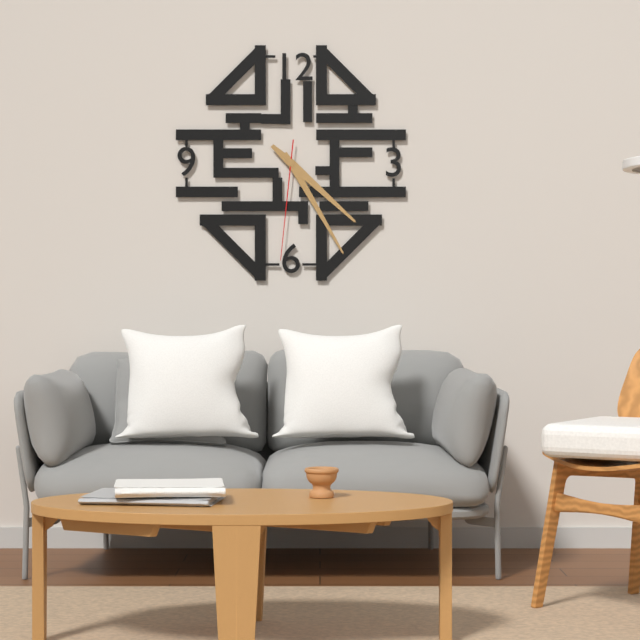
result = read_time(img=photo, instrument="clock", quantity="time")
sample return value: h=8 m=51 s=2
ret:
h=4 m=25 s=31
